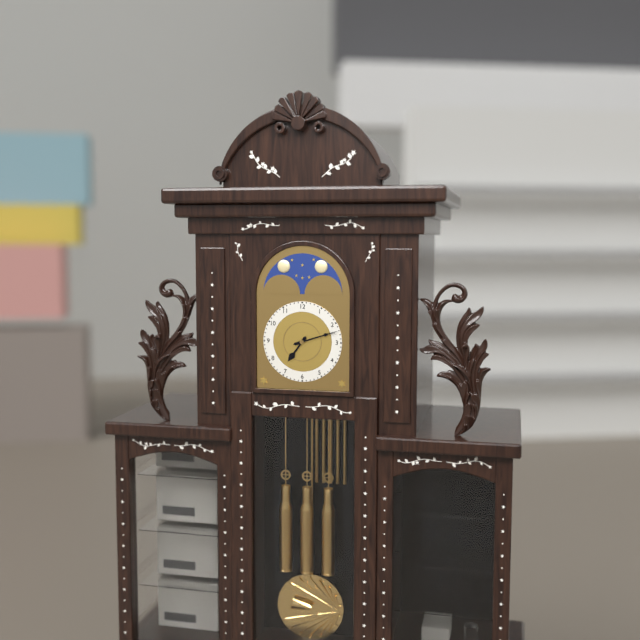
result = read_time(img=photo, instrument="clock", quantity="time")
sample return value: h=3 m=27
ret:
h=7 m=12
